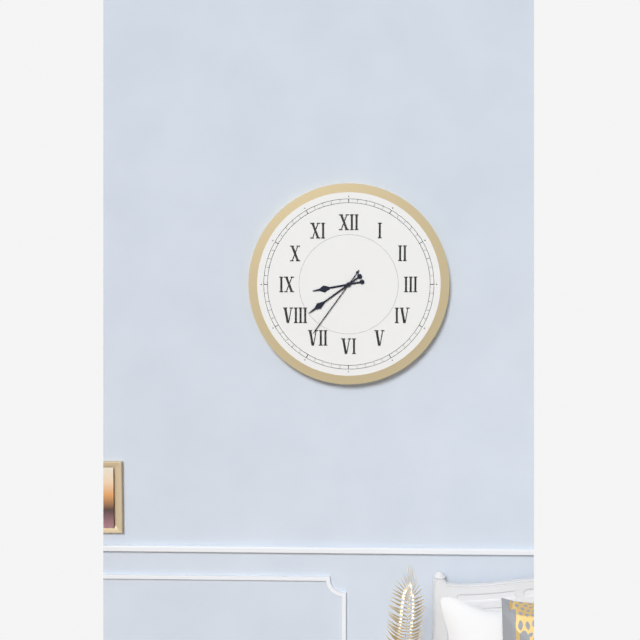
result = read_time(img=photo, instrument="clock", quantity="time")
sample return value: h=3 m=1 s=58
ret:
h=8 m=39 s=36
